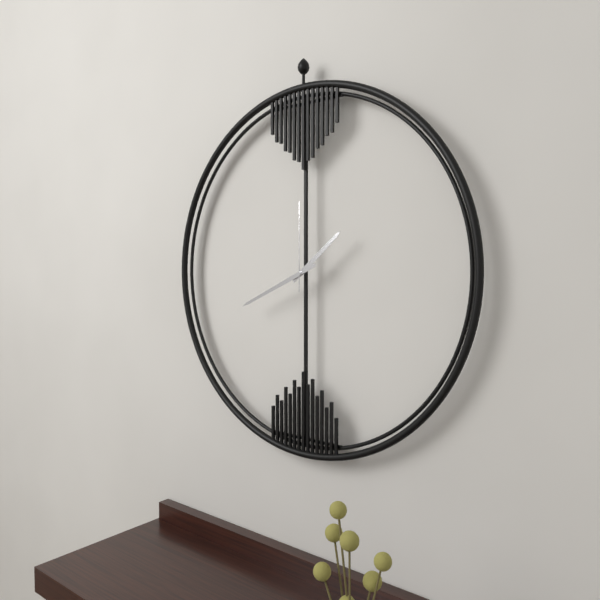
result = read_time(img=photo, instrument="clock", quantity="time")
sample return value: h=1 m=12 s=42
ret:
h=1 m=41 s=0
